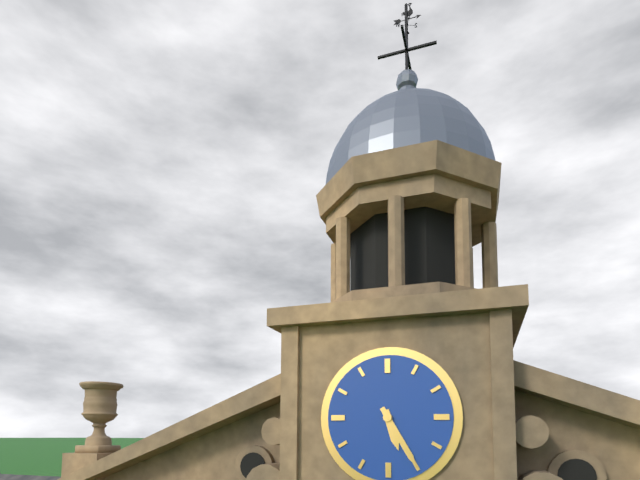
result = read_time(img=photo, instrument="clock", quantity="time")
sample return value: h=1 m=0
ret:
h=5 m=25
